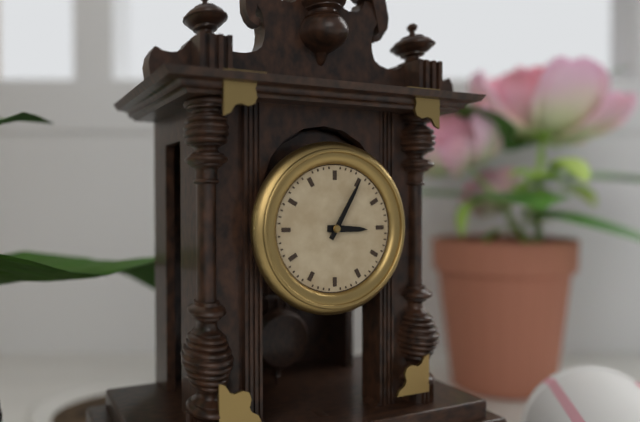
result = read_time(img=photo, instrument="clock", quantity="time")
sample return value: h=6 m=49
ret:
h=3 m=5
